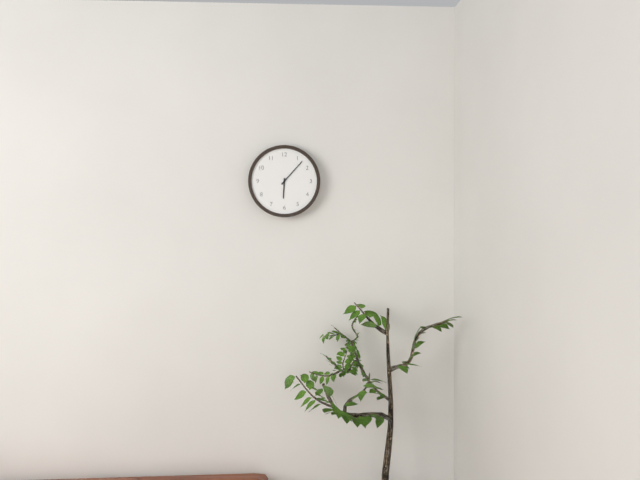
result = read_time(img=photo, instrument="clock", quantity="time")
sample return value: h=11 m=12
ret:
h=6 m=7
